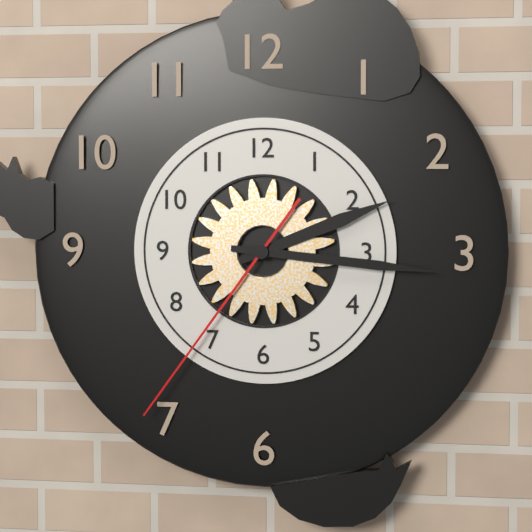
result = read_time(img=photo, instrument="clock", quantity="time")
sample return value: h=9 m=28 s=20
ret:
h=2 m=16 s=36
